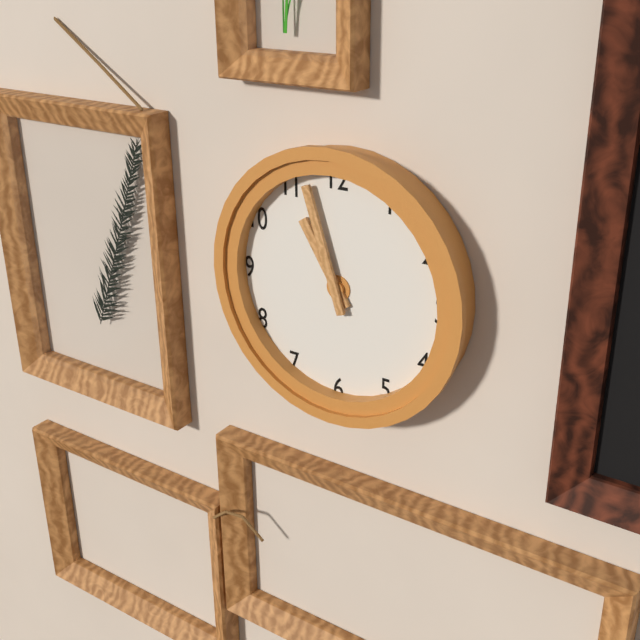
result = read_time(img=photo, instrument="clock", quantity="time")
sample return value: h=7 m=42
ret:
h=10 m=57
